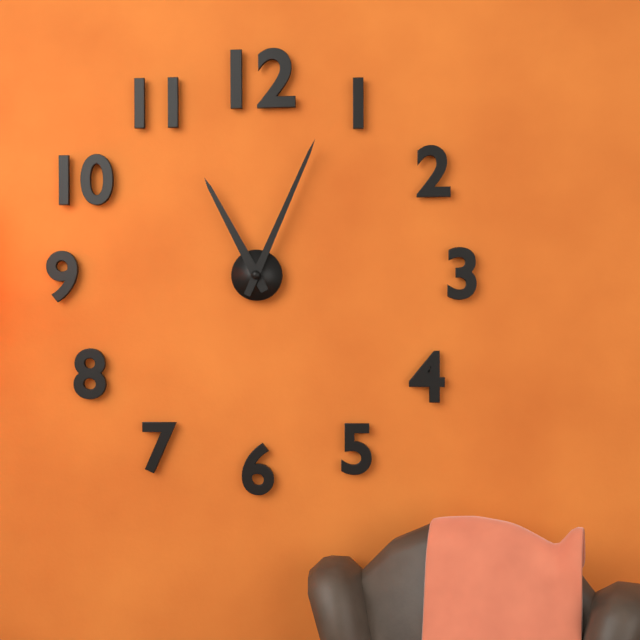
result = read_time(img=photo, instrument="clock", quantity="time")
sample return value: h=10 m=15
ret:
h=11 m=4
